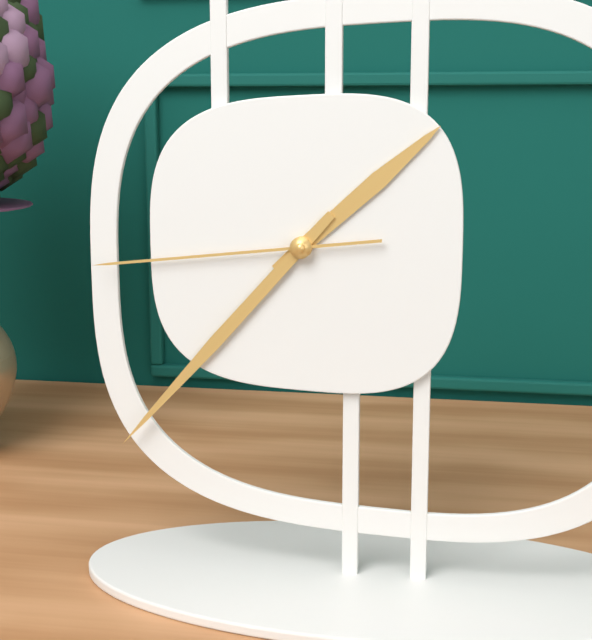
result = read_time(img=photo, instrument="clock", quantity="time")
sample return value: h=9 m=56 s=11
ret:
h=1 m=37 s=44
